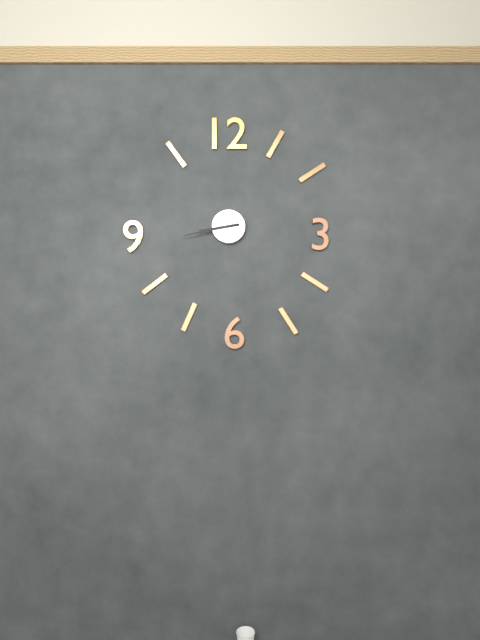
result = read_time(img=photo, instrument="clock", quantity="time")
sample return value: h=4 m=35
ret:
h=8 m=43
